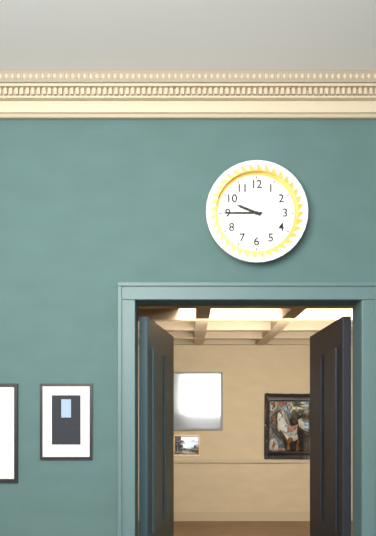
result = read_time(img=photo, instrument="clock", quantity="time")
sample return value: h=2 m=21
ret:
h=9 m=45
